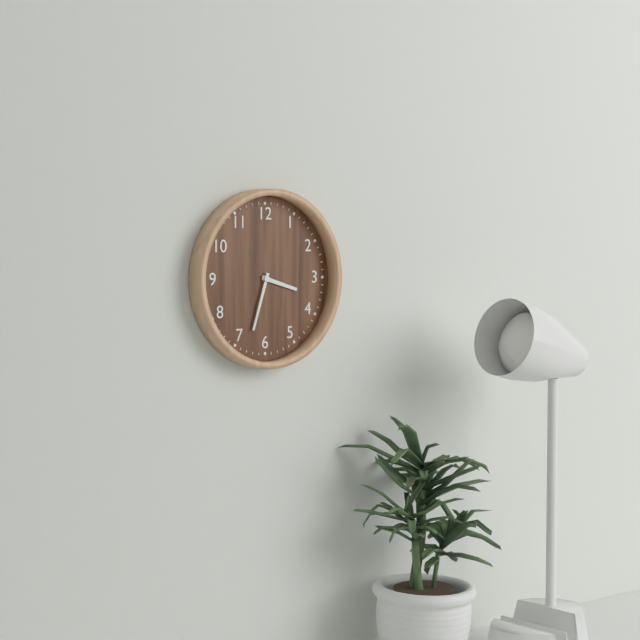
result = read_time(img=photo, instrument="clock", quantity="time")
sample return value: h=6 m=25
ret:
h=3 m=33
